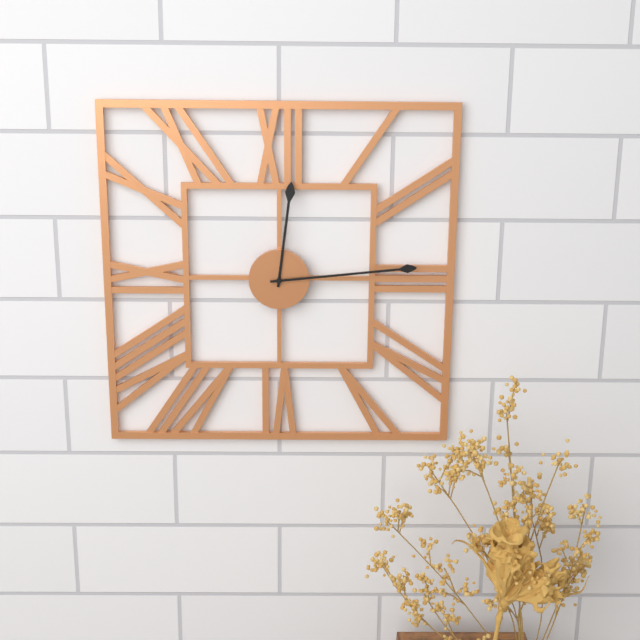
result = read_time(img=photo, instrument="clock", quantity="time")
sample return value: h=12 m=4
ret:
h=12 m=14
